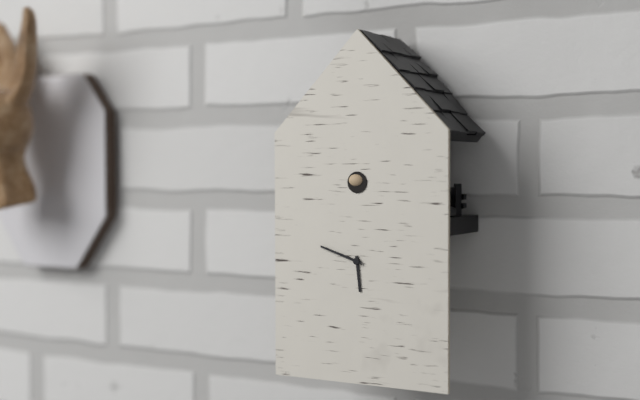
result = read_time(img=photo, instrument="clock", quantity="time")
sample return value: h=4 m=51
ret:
h=5 m=48
